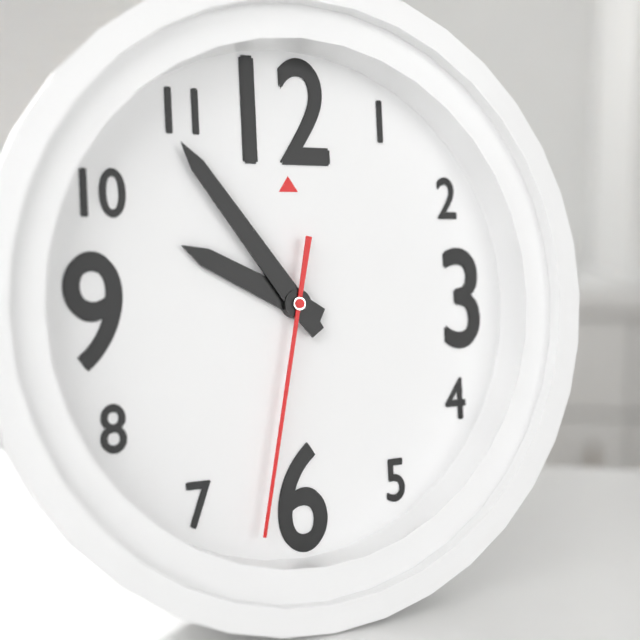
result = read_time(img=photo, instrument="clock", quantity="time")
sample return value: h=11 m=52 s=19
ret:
h=9 m=54 s=32
